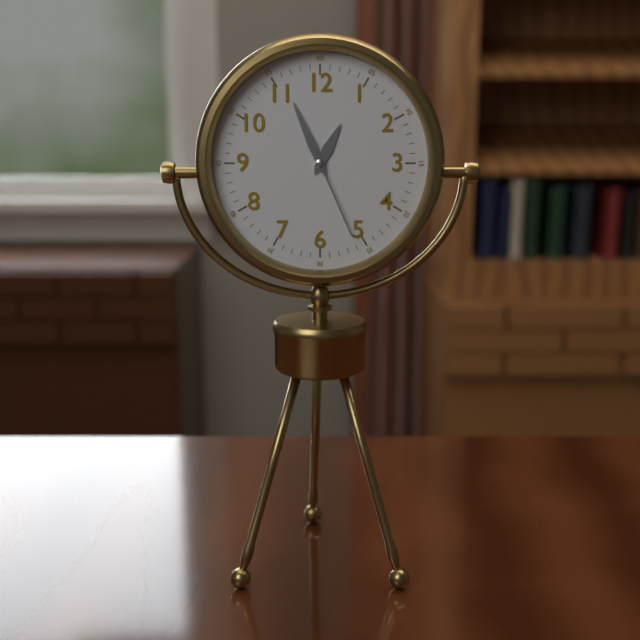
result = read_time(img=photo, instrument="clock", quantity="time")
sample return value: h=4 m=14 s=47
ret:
h=12 m=56 s=26
